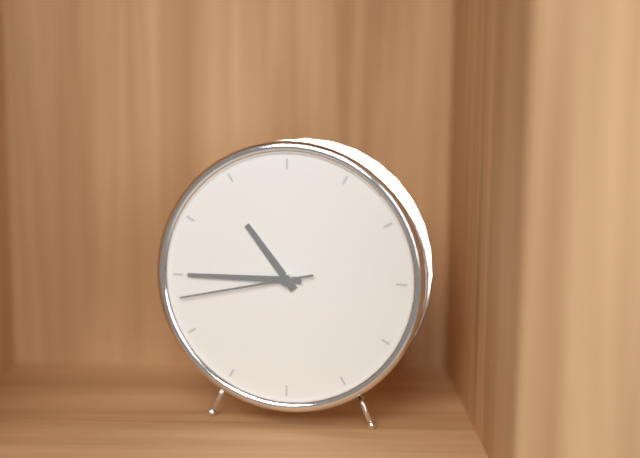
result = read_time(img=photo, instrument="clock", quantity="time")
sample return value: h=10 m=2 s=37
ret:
h=10 m=45 s=43
